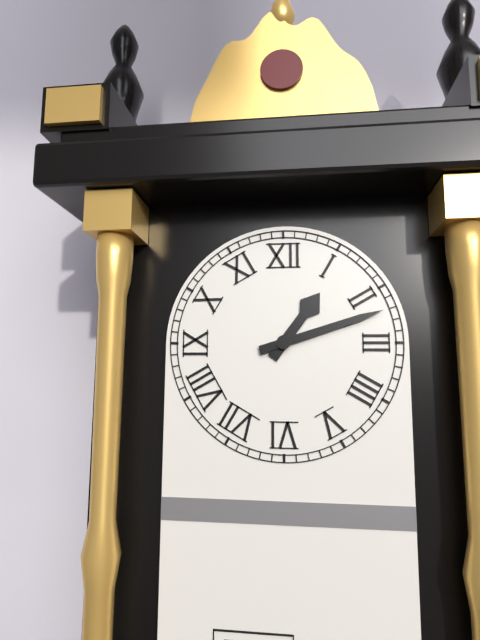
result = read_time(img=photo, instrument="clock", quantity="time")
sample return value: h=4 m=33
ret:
h=1 m=12
